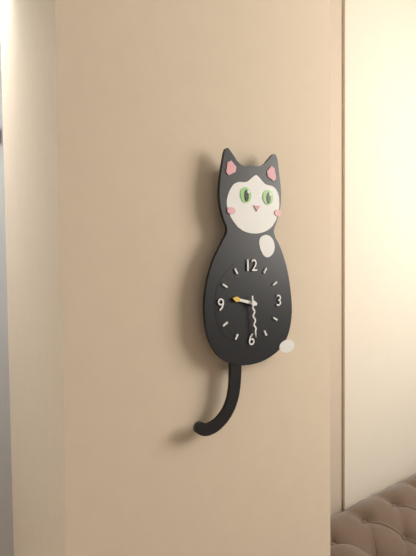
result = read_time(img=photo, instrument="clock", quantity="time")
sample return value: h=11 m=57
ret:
h=9 m=29
